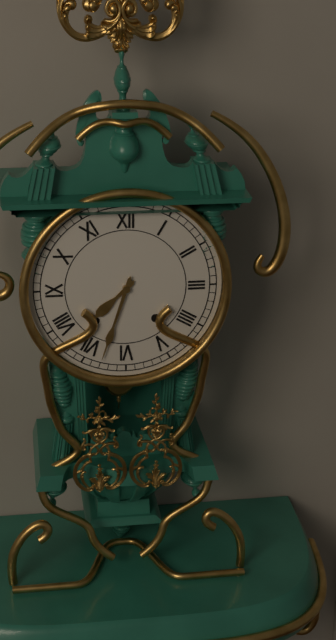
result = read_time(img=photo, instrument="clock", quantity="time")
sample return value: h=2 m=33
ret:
h=7 m=33
